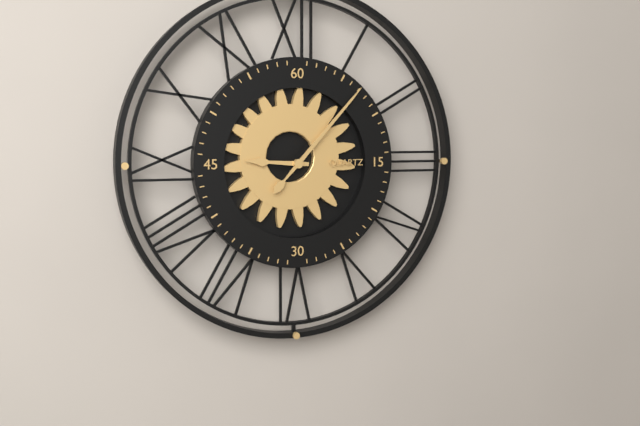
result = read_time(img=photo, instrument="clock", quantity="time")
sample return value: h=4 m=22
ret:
h=9 m=7
